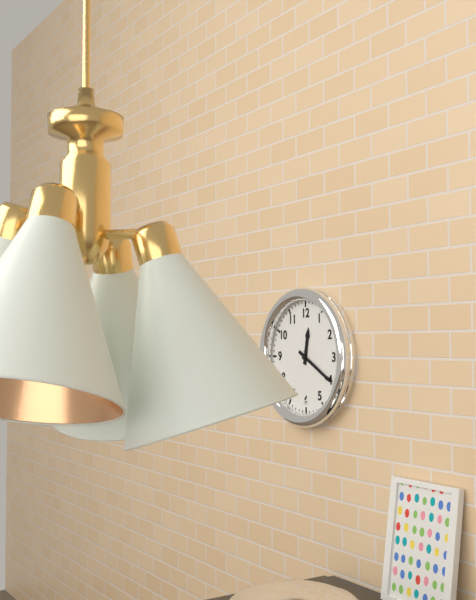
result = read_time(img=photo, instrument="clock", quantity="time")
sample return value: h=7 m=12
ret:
h=12 m=20
